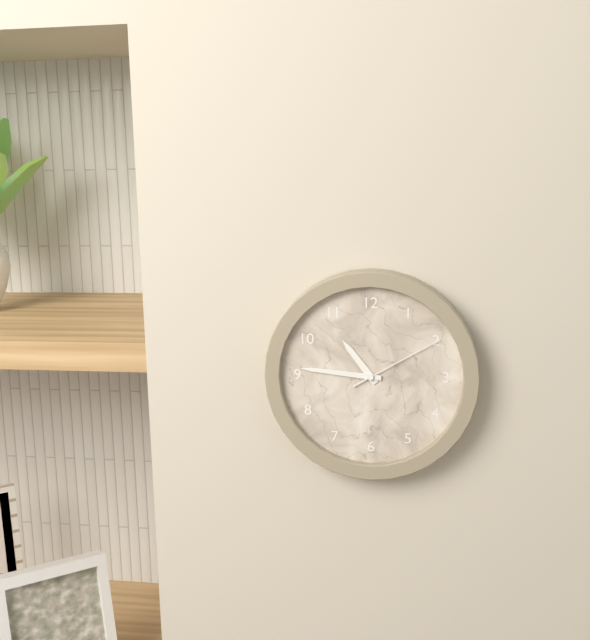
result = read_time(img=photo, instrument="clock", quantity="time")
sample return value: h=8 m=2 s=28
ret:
h=10 m=46 s=10
